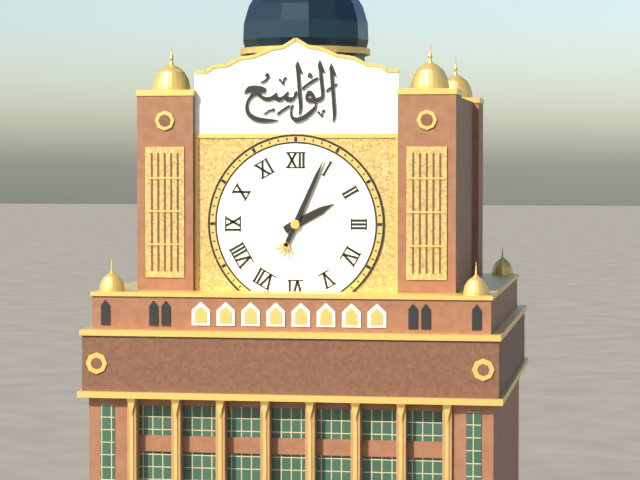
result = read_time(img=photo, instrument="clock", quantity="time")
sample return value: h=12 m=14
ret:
h=2 m=4
